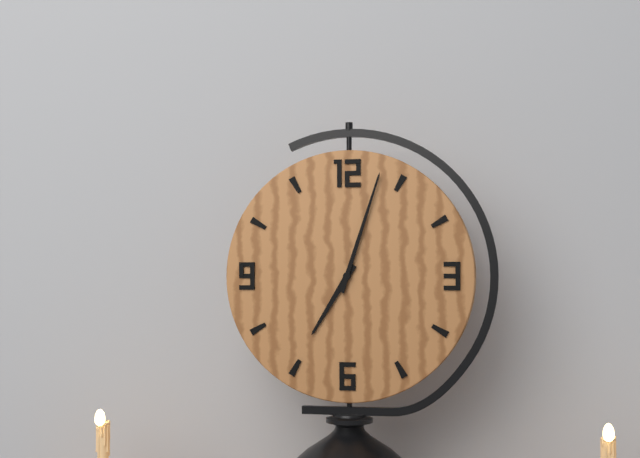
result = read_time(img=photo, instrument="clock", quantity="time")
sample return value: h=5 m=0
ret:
h=7 m=3
